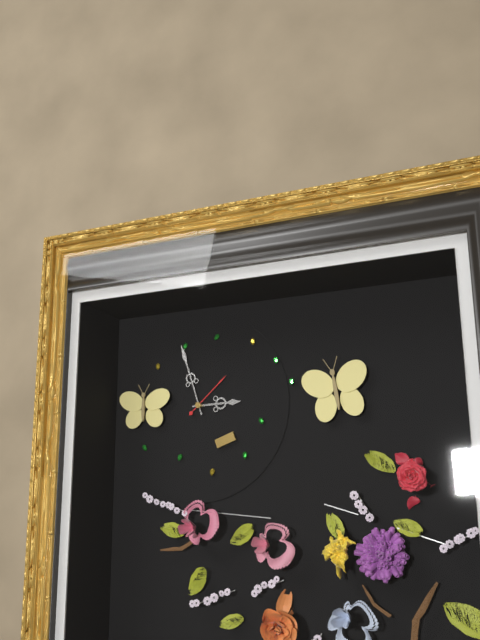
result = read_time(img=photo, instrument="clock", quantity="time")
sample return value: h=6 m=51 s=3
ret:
h=2 m=57 s=8
